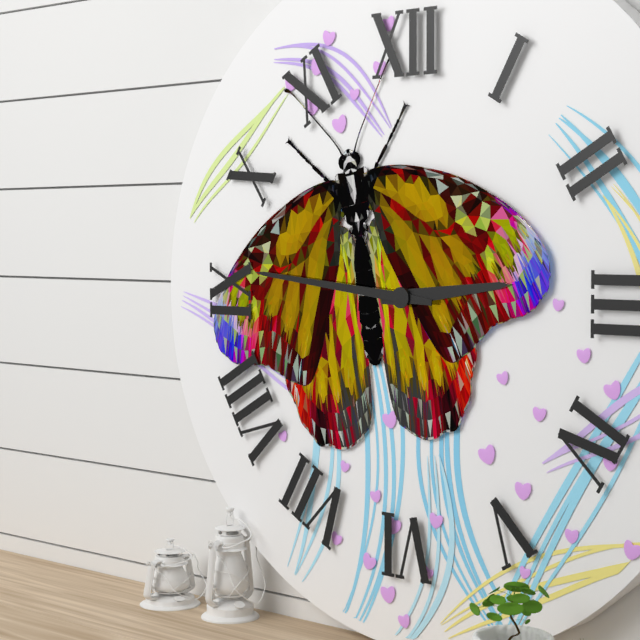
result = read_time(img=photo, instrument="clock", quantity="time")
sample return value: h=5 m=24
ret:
h=2 m=46
